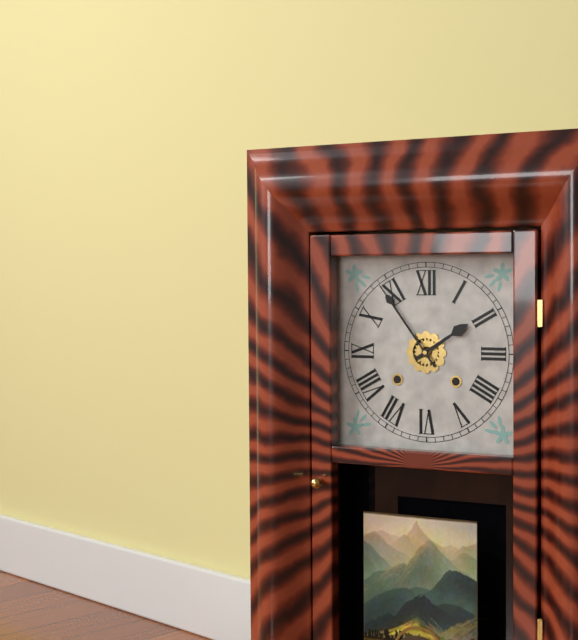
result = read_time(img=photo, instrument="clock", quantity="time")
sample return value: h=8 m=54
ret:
h=1 m=54
